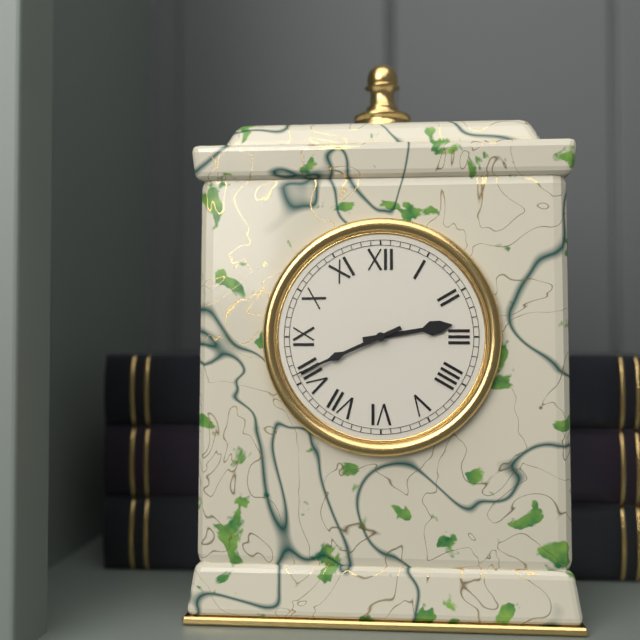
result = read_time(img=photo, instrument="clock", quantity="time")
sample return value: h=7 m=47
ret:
h=2 m=41
